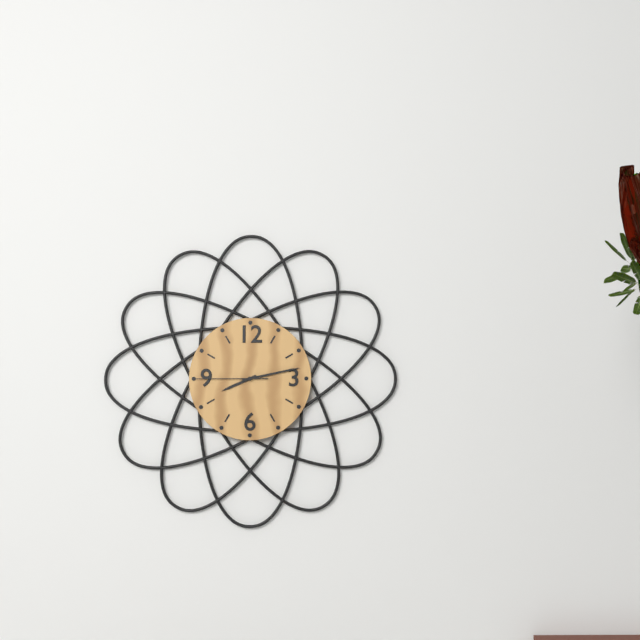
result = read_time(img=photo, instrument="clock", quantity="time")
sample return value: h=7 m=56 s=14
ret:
h=8 m=13 s=45
